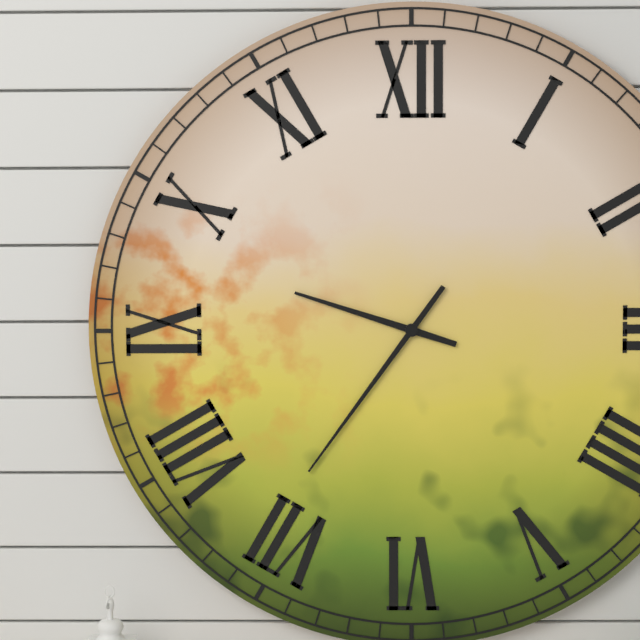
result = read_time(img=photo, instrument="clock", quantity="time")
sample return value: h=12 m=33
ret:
h=9 m=36
